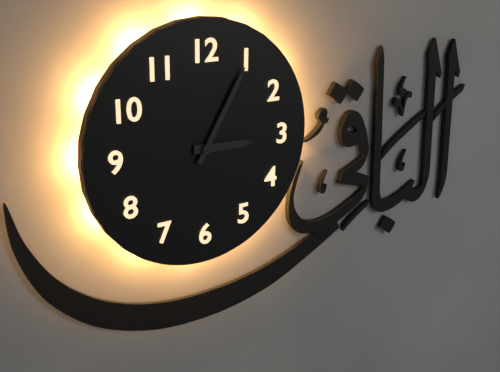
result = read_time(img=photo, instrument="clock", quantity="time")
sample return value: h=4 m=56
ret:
h=3 m=5
